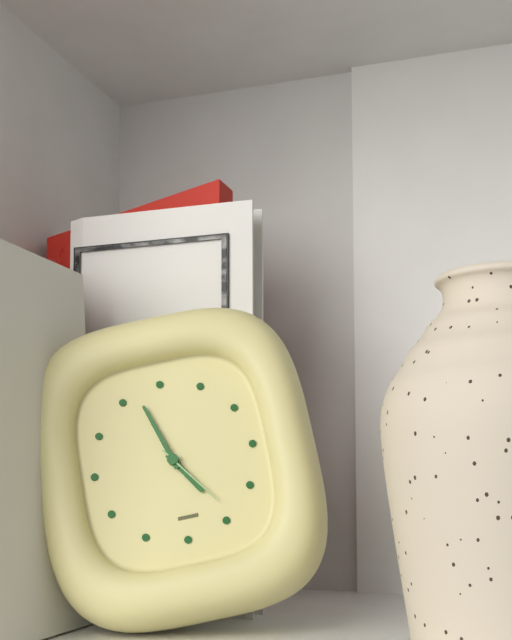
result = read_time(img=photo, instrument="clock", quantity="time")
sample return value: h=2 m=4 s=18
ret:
h=4 m=57 s=24
